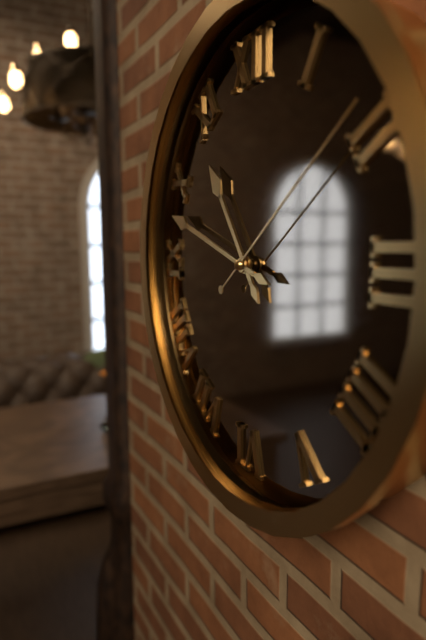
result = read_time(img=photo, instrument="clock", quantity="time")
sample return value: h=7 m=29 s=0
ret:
h=10 m=48 s=9
